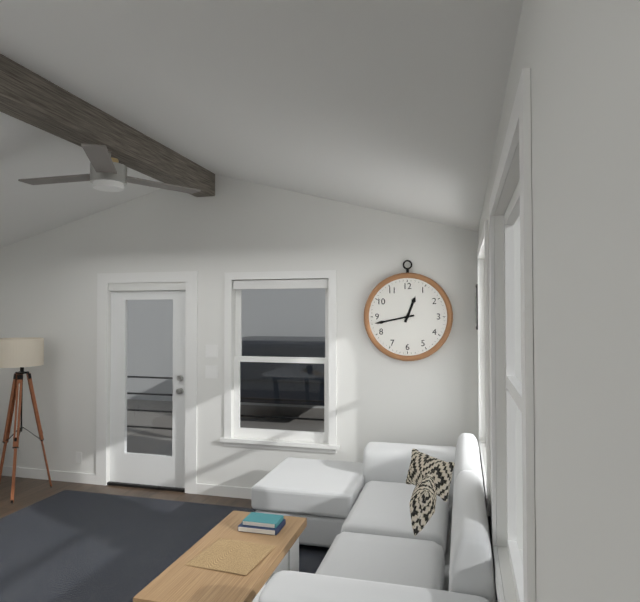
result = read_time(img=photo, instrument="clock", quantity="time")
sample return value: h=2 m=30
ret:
h=12 m=43
